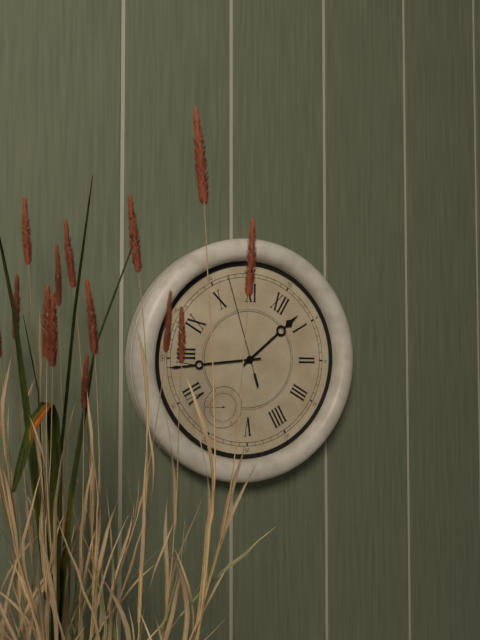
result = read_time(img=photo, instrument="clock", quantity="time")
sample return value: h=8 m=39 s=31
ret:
h=12 m=39 s=52
